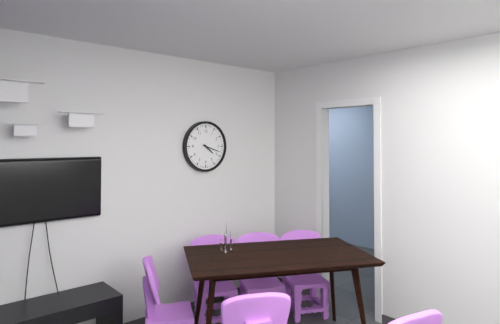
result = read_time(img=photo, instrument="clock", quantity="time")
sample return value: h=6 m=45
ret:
h=4 m=18
